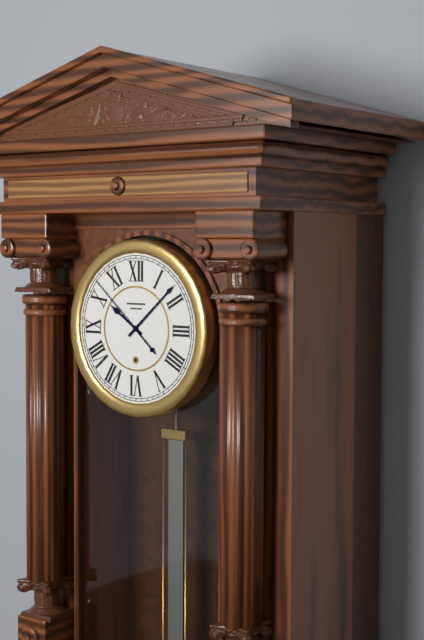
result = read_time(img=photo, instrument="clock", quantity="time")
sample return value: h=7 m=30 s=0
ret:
h=10 m=8 s=52
